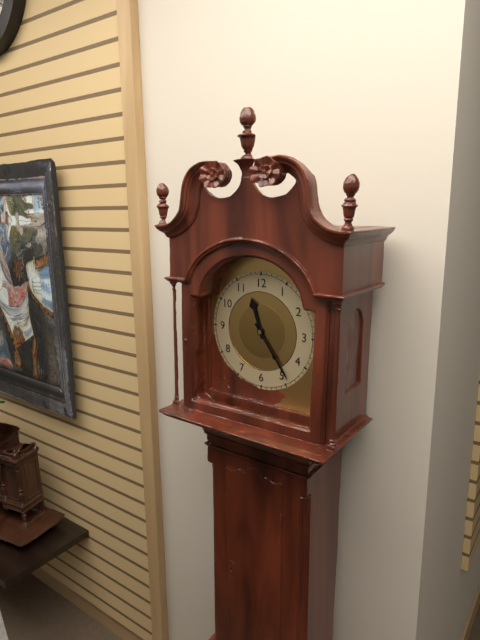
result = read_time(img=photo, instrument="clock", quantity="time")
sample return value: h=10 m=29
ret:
h=11 m=24
